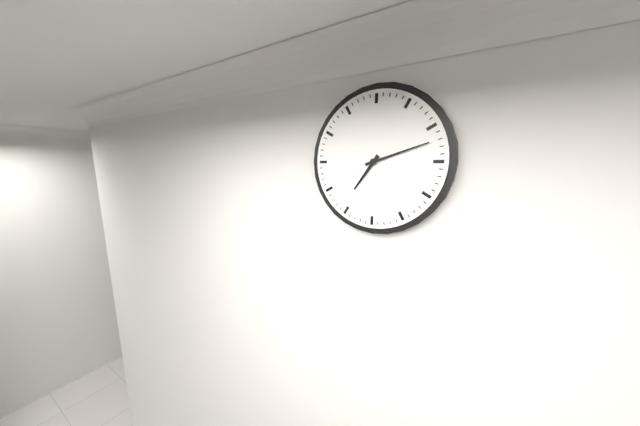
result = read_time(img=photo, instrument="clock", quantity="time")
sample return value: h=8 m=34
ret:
h=7 m=12
